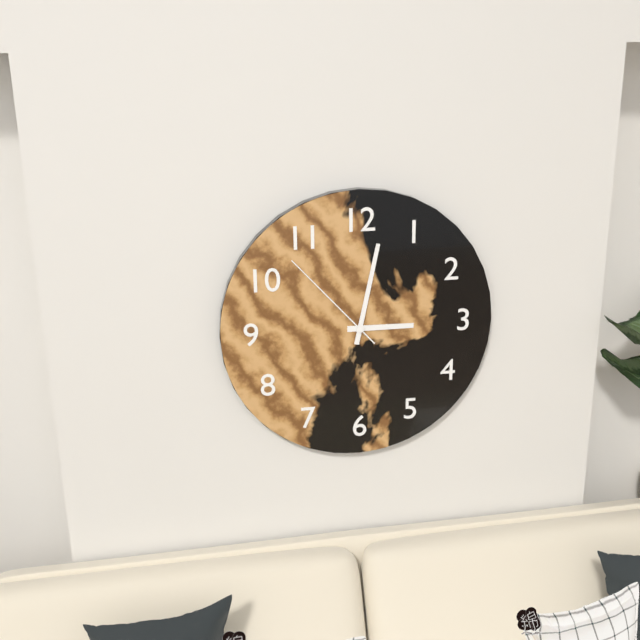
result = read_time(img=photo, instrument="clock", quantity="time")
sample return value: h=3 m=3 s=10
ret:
h=3 m=2 s=53
